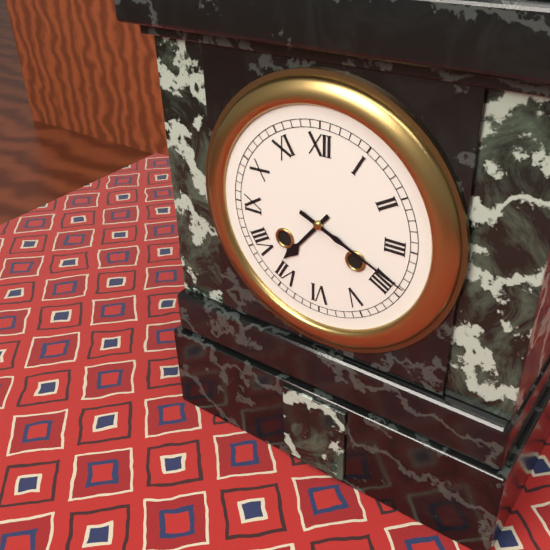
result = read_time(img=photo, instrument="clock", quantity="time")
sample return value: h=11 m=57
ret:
h=7 m=19
